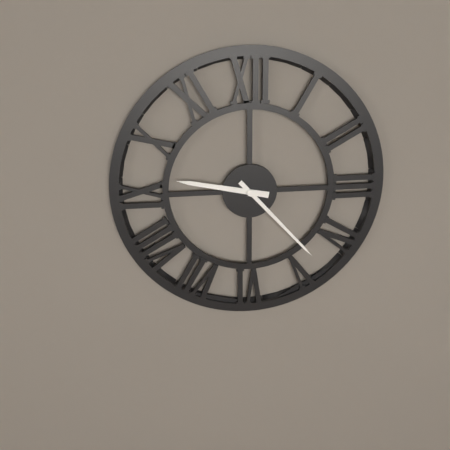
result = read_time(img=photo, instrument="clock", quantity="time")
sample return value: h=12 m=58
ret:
h=9 m=23
